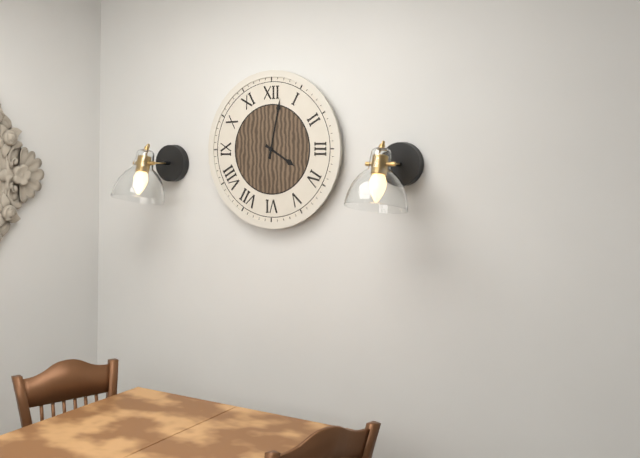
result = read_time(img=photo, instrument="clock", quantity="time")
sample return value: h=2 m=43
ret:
h=4 m=2
